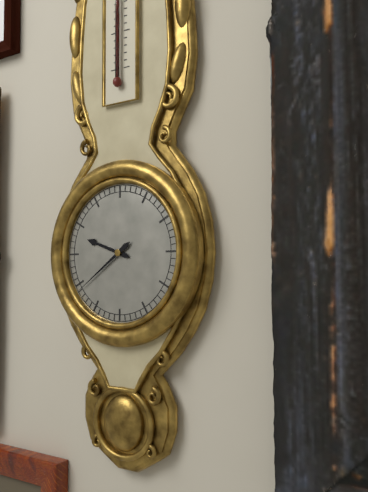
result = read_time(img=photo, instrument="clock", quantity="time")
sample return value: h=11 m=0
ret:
h=9 m=39
